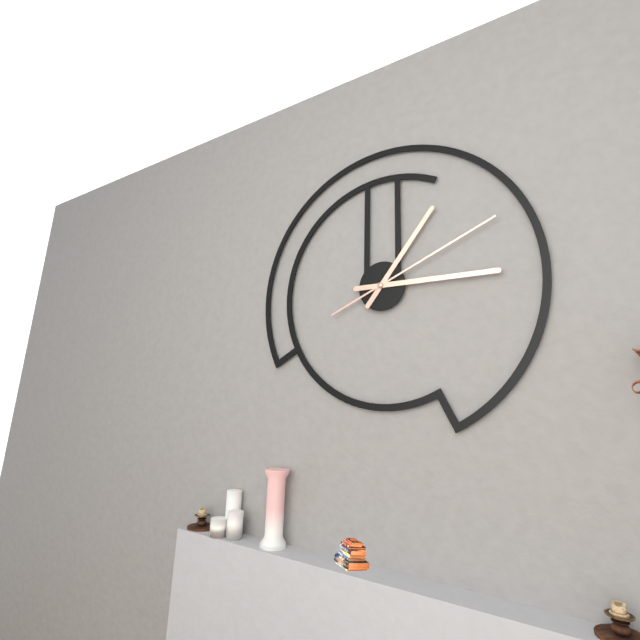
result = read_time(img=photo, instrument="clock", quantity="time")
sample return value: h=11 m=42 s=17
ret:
h=1 m=15 s=11
